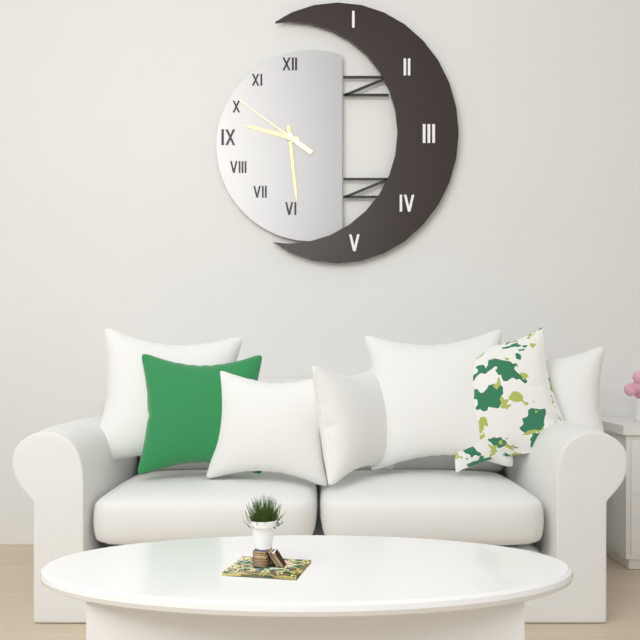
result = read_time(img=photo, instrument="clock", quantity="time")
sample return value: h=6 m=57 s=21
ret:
h=9 m=29 s=51
